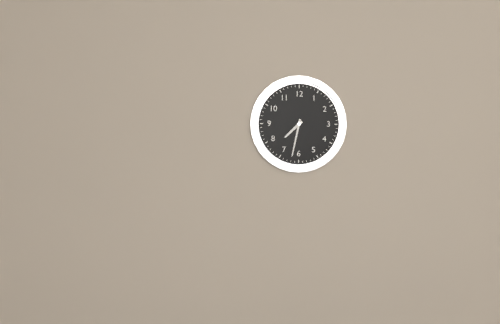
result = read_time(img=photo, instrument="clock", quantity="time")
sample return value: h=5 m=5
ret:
h=7 m=32
